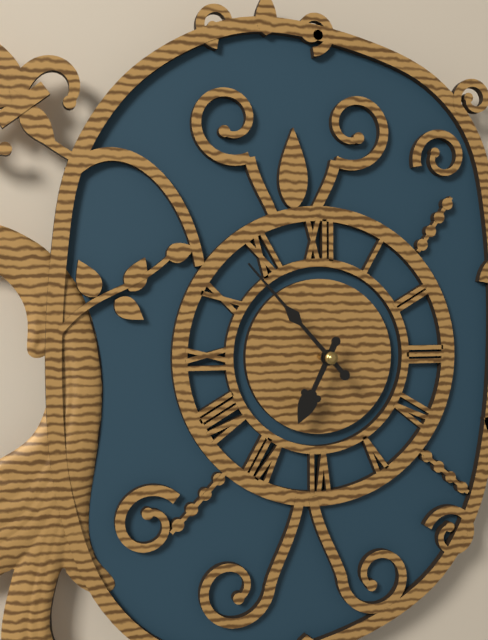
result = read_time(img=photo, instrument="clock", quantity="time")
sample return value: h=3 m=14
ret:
h=6 m=53
